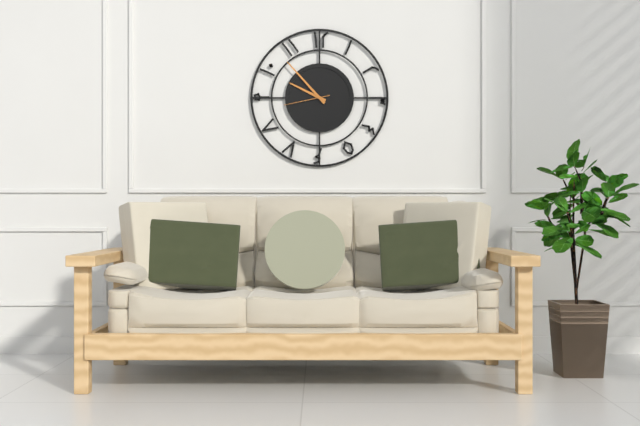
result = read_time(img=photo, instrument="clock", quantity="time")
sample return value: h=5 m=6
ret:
h=9 m=53
